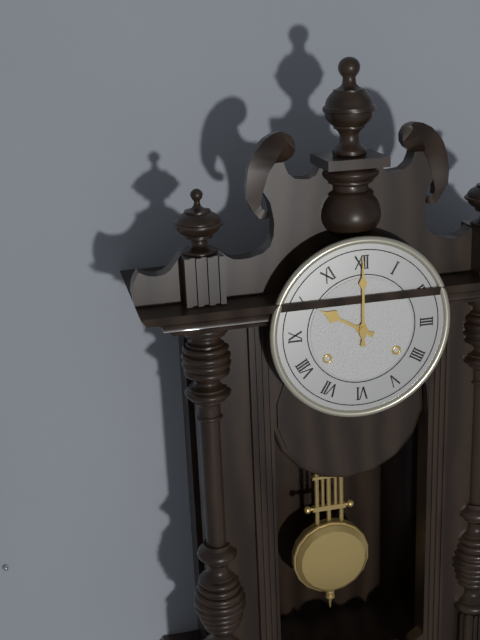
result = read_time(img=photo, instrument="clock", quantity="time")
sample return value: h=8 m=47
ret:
h=10 m=0
